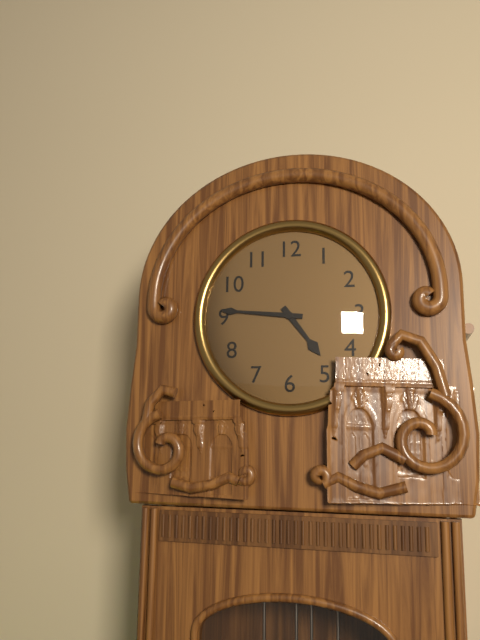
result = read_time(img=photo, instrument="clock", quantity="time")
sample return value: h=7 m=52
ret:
h=4 m=46
